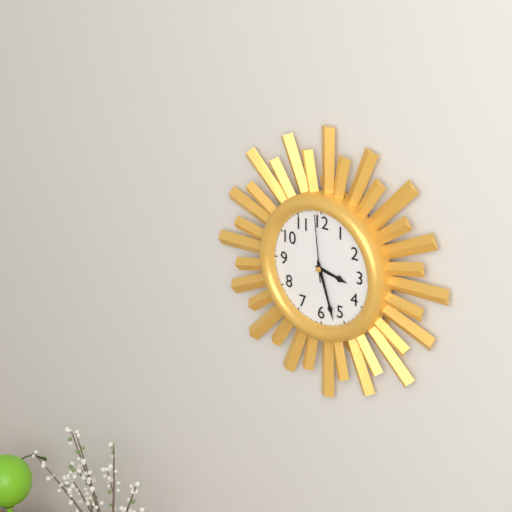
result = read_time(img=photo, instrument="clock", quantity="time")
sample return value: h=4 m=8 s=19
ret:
h=3 m=27 s=59
